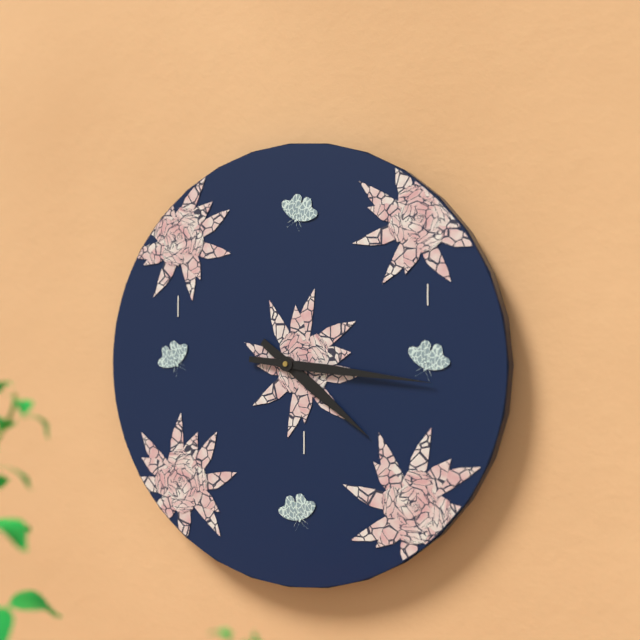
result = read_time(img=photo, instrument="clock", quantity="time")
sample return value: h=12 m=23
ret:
h=4 m=16
